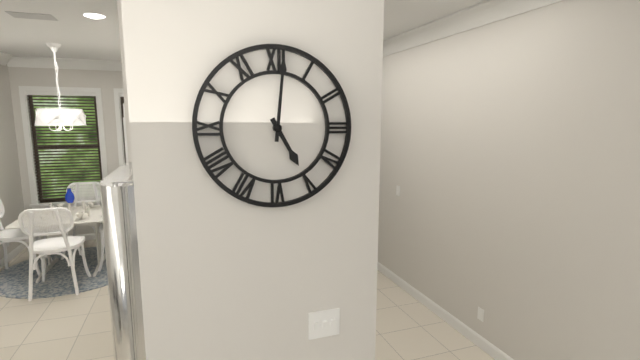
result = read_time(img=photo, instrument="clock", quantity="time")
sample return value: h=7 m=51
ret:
h=5 m=1
